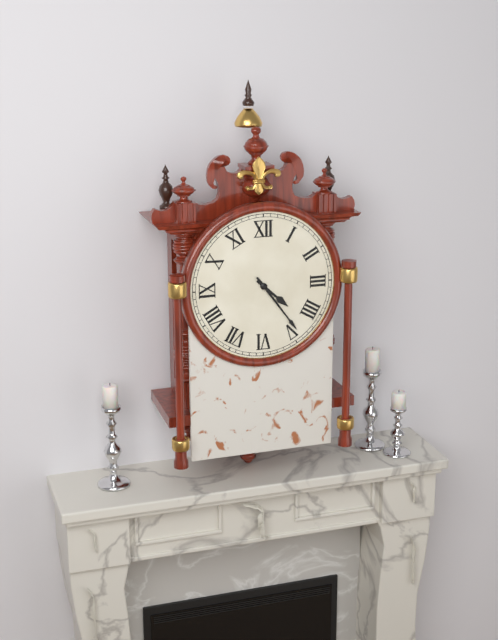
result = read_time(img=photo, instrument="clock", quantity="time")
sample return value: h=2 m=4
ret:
h=4 m=24
